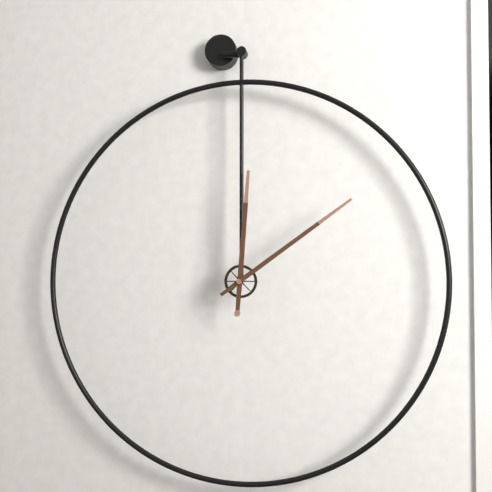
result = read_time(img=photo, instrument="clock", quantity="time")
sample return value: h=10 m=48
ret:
h=12 m=9
